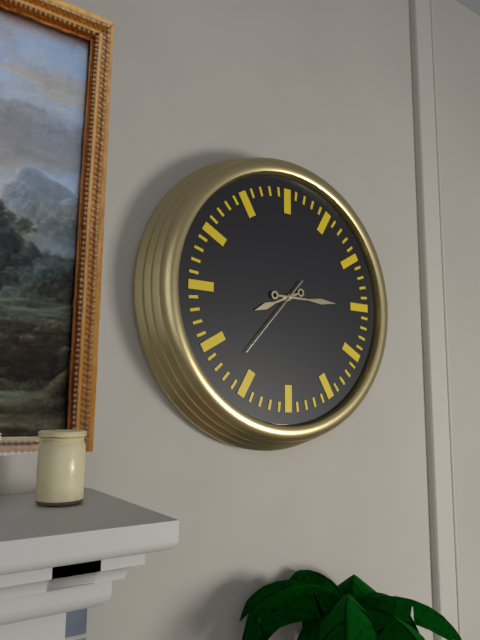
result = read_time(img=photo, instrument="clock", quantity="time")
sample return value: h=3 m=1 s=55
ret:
h=8 m=15 s=37
